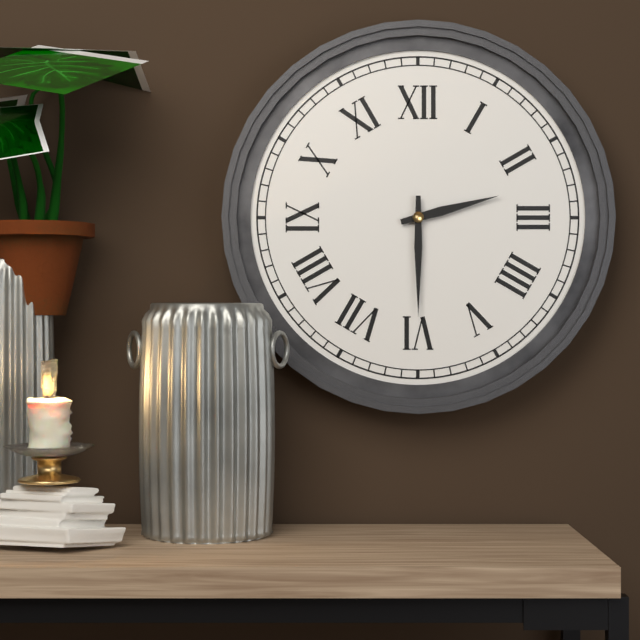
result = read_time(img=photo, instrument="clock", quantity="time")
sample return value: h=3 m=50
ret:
h=2 m=30
